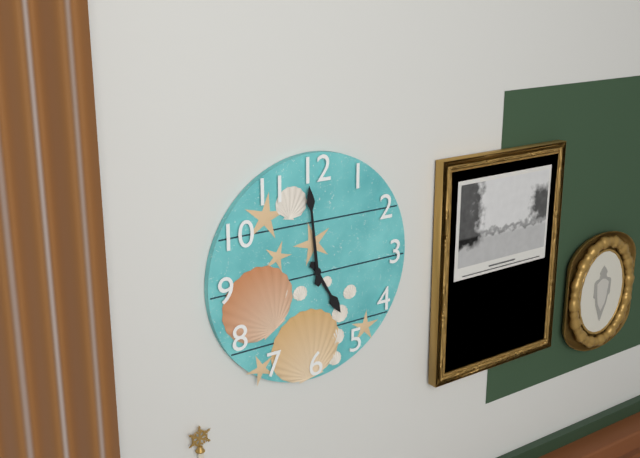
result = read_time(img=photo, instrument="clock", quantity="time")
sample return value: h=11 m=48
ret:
h=4 m=59
